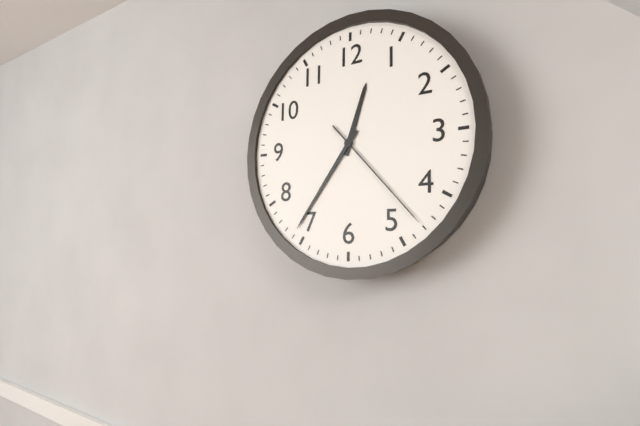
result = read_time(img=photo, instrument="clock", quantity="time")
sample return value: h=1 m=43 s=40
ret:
h=12 m=36 s=23
